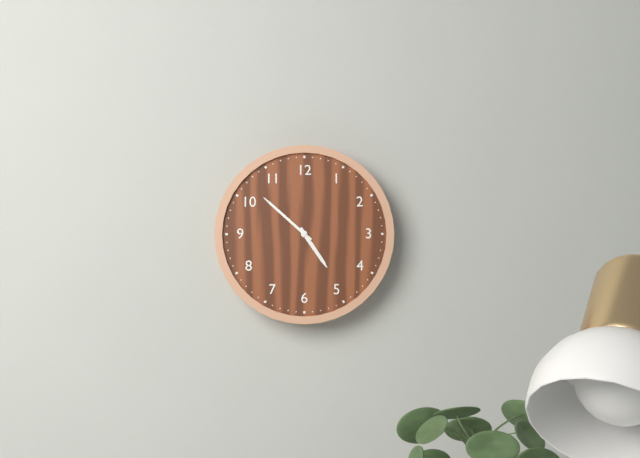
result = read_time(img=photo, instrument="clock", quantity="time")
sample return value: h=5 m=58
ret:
h=4 m=52
